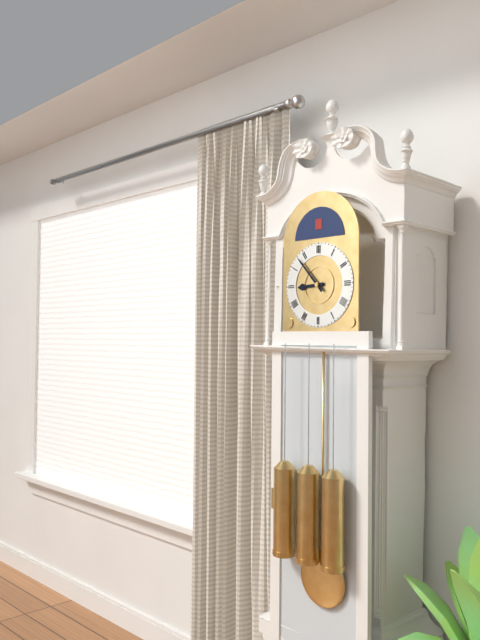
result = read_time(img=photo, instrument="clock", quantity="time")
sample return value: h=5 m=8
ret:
h=8 m=53
